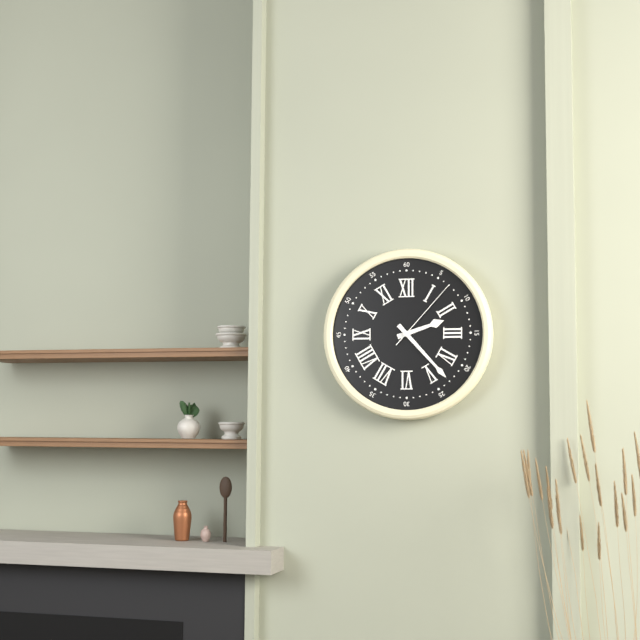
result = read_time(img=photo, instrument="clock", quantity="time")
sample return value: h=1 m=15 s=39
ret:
h=2 m=23 s=7
